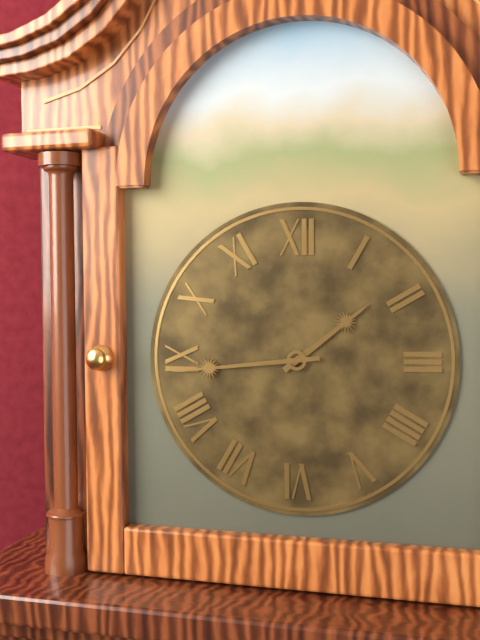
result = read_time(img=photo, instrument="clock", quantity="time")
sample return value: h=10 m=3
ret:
h=1 m=44
